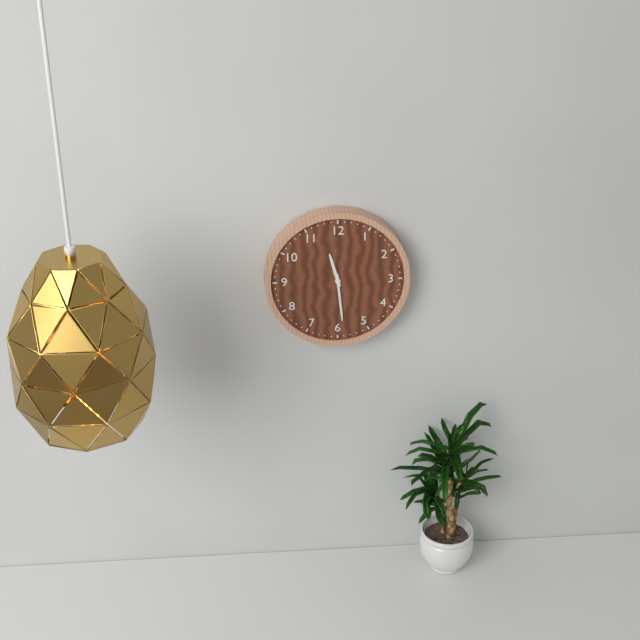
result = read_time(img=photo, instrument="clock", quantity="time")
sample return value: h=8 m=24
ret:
h=11 m=29
